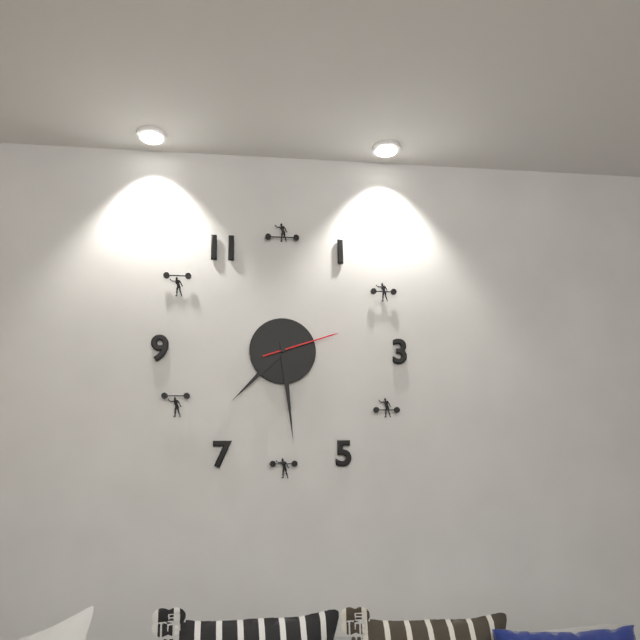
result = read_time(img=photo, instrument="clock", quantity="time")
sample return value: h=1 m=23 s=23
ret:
h=7 m=29 s=12
